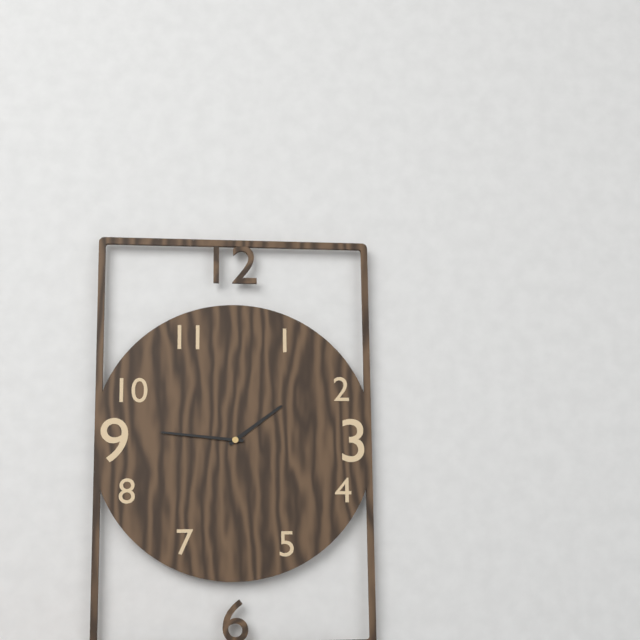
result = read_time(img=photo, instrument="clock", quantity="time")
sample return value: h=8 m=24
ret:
h=1 m=46
